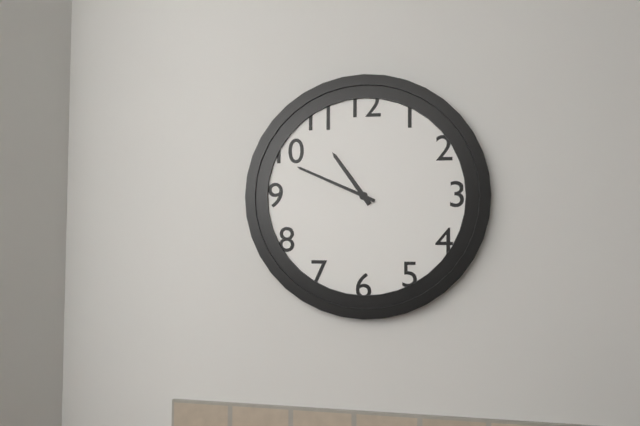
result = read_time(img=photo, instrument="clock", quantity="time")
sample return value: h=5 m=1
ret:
h=10 m=49
